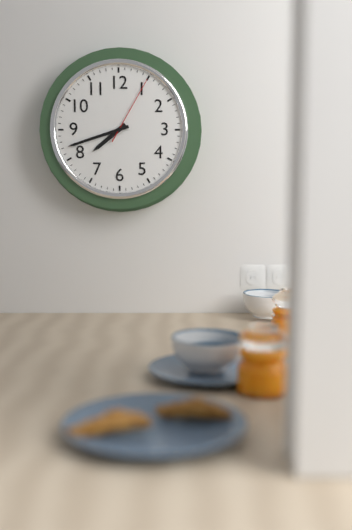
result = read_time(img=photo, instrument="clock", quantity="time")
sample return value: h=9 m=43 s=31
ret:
h=7 m=42 s=5
